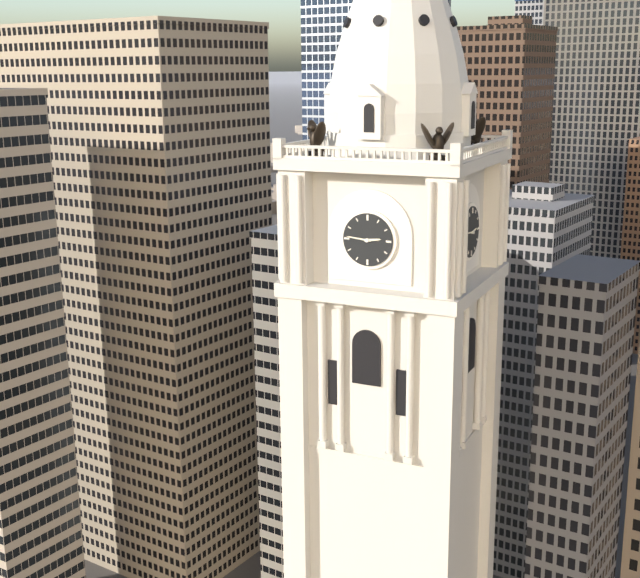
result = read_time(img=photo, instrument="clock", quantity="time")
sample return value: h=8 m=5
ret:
h=2 m=46
